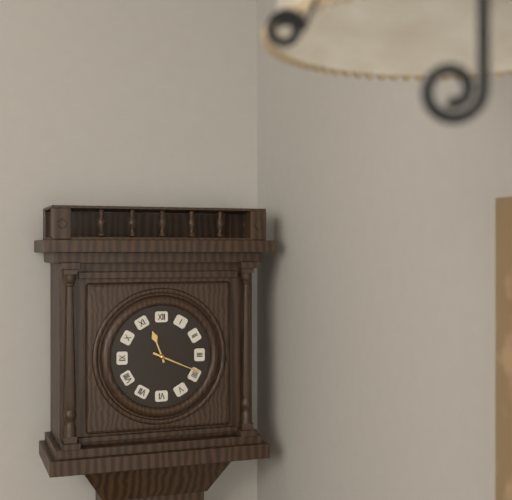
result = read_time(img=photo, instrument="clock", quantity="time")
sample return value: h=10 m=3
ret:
h=11 m=19
